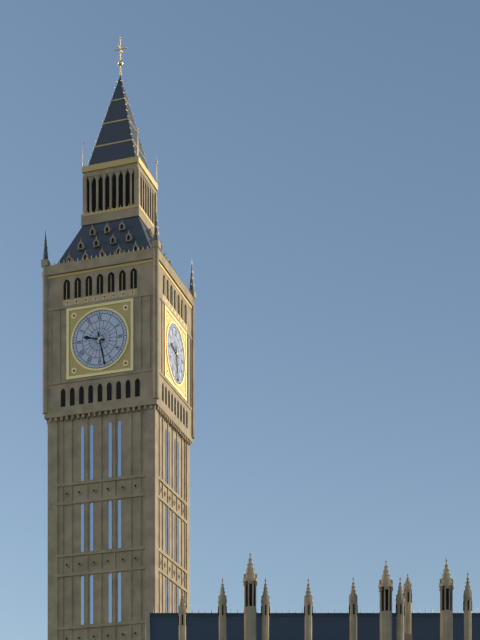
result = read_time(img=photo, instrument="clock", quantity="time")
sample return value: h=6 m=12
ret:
h=9 m=28
